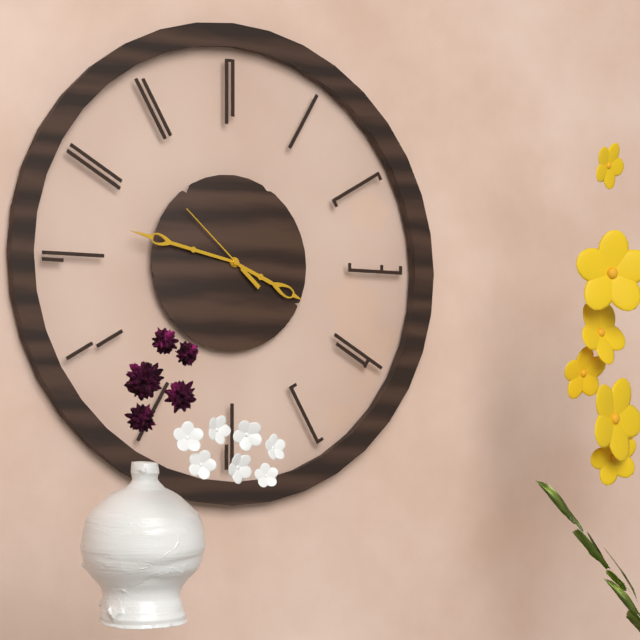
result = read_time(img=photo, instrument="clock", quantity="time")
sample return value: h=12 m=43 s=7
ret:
h=3 m=47 s=52
